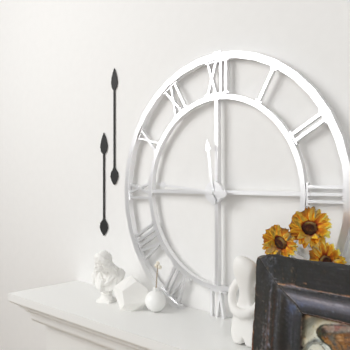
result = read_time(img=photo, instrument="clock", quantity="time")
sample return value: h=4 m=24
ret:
h=11 m=46
